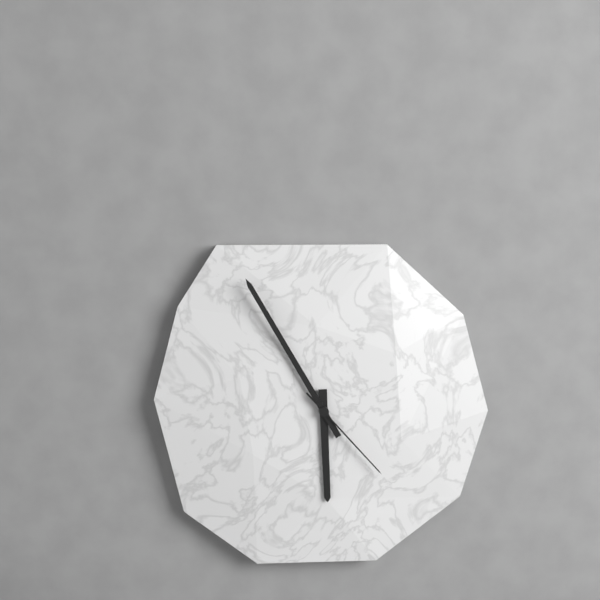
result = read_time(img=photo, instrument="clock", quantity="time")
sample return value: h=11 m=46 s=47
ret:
h=5 m=55 s=23
